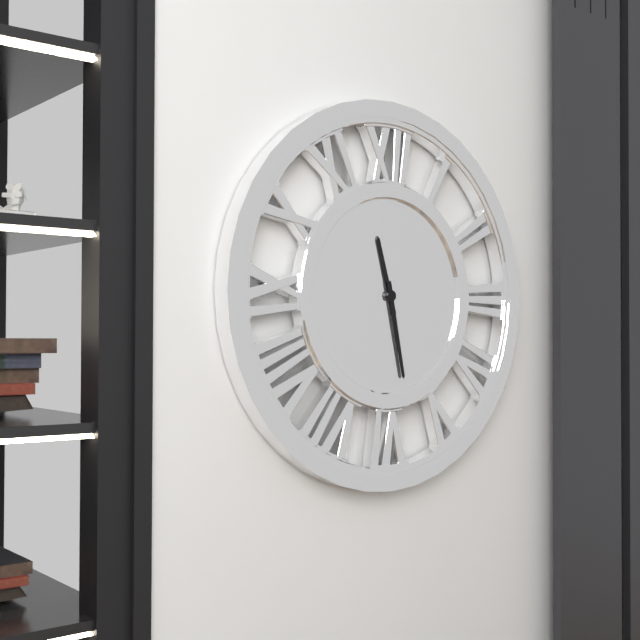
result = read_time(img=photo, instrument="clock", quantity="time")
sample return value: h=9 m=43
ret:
h=11 m=28
